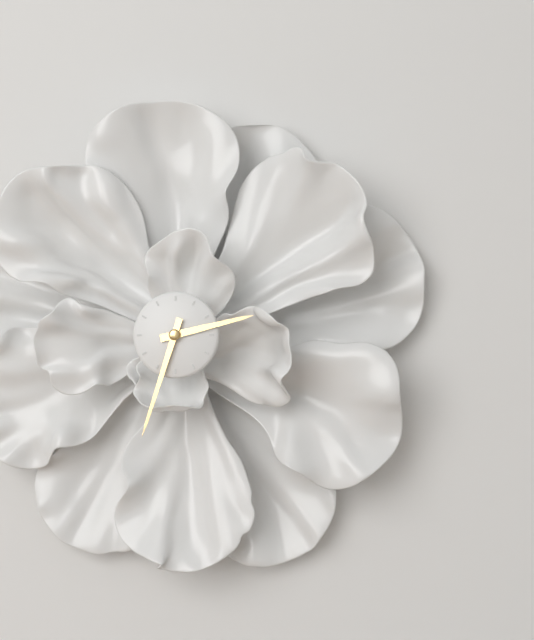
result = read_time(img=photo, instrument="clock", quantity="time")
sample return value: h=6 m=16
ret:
h=2 m=33
